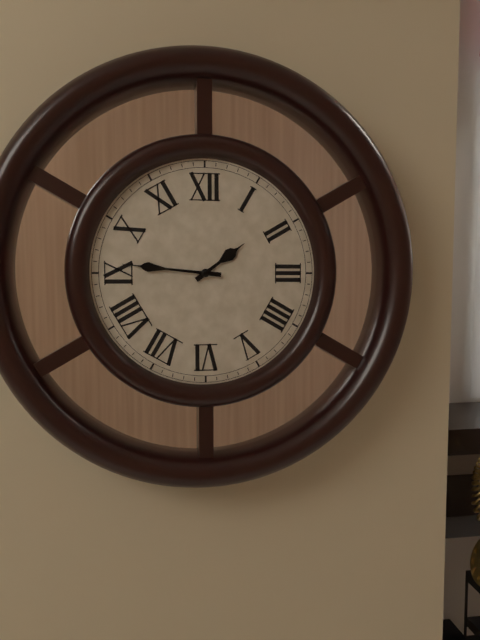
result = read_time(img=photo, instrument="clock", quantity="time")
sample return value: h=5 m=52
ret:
h=1 m=46
